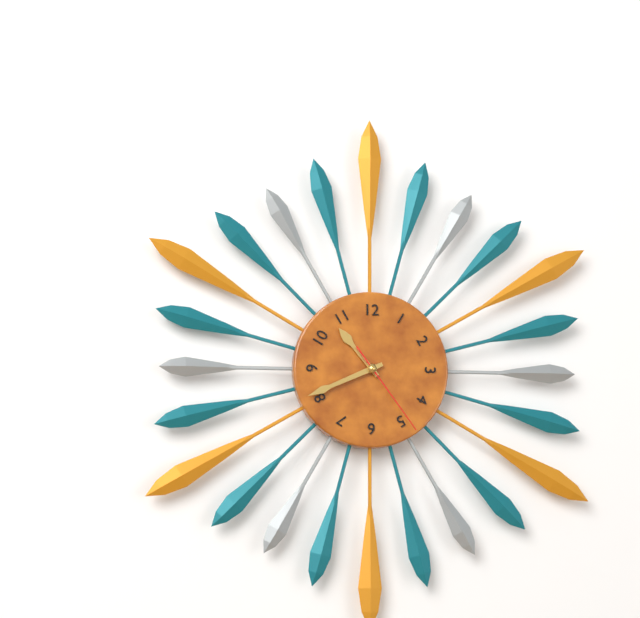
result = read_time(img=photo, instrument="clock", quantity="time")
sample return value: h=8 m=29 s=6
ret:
h=10 m=41 s=24
